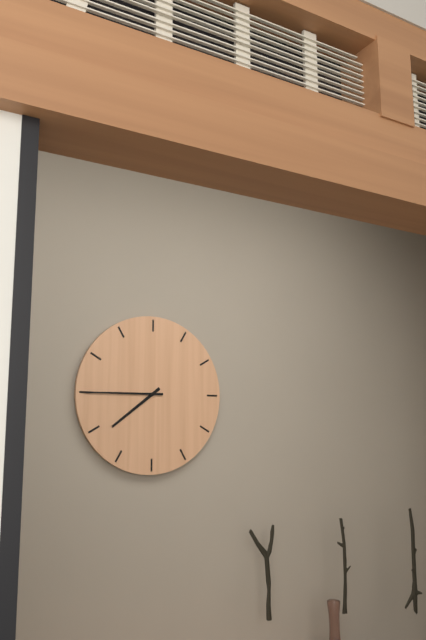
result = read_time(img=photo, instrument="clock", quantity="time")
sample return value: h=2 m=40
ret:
h=7 m=45
